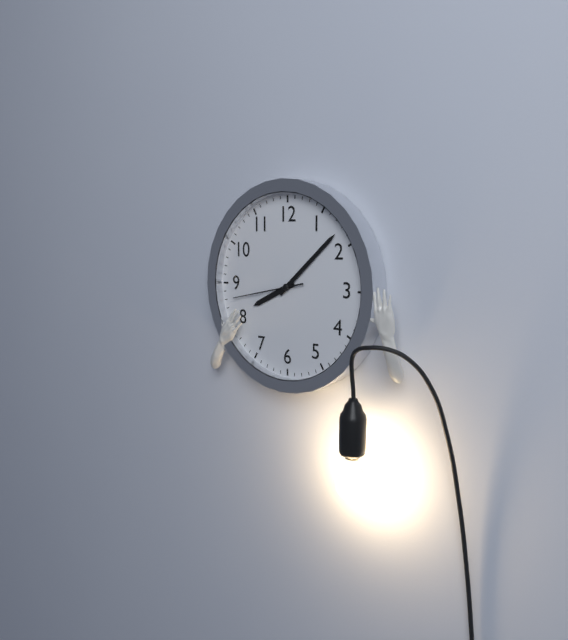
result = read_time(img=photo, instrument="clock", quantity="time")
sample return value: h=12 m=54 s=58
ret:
h=8 m=8 s=43
